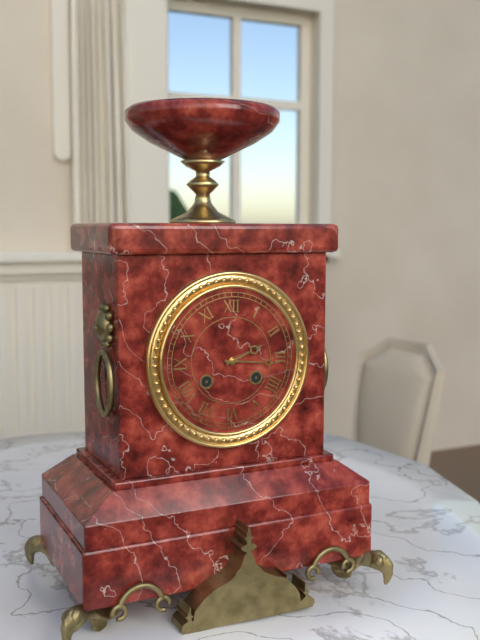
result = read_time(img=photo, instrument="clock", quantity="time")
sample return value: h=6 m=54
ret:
h=2 m=16
